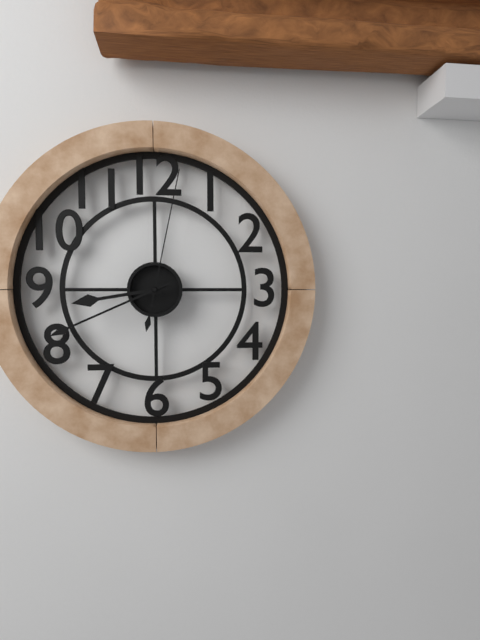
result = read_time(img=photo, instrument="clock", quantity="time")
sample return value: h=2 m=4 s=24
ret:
h=8 m=41 s=2
